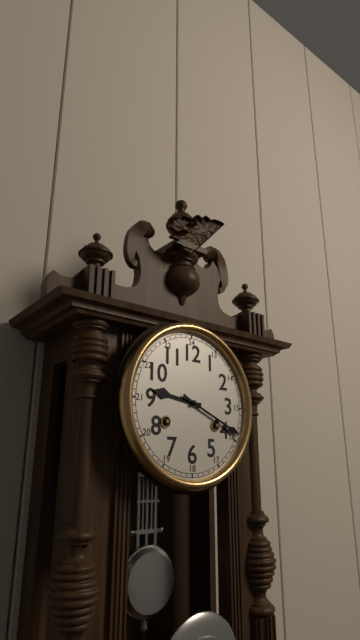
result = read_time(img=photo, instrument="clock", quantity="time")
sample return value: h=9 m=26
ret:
h=9 m=19
